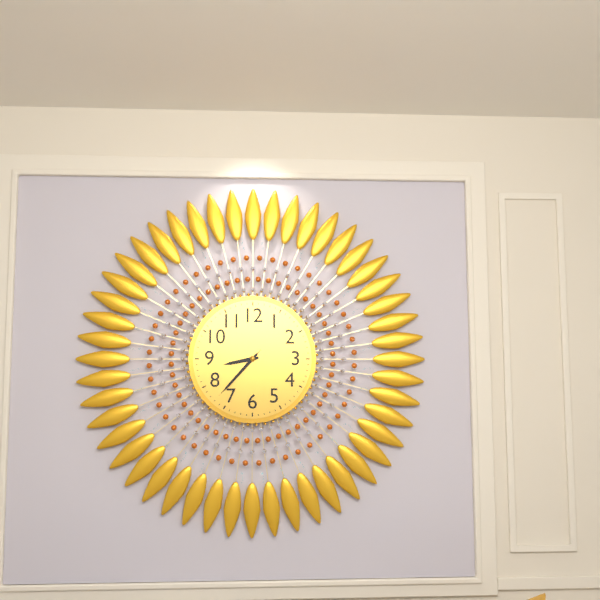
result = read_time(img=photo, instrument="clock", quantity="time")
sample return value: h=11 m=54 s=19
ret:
h=8 m=37 s=37
